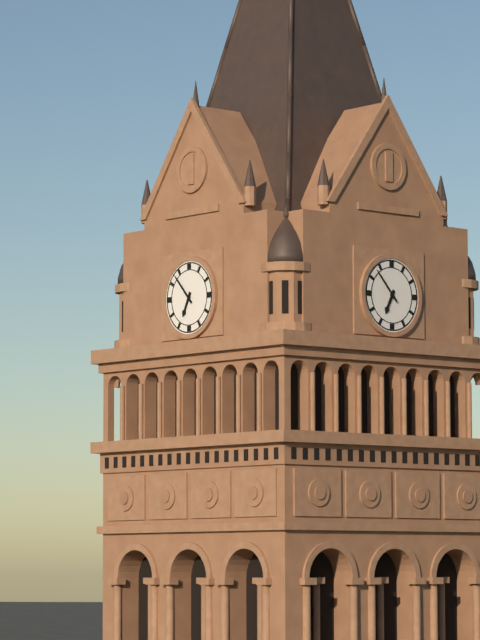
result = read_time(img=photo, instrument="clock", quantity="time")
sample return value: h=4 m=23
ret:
h=6 m=53
